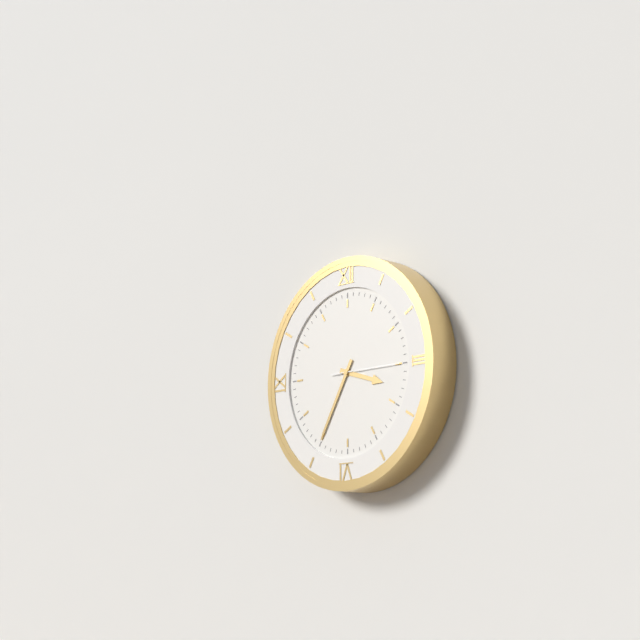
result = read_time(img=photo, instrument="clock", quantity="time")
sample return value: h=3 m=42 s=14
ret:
h=3 m=35 s=15
